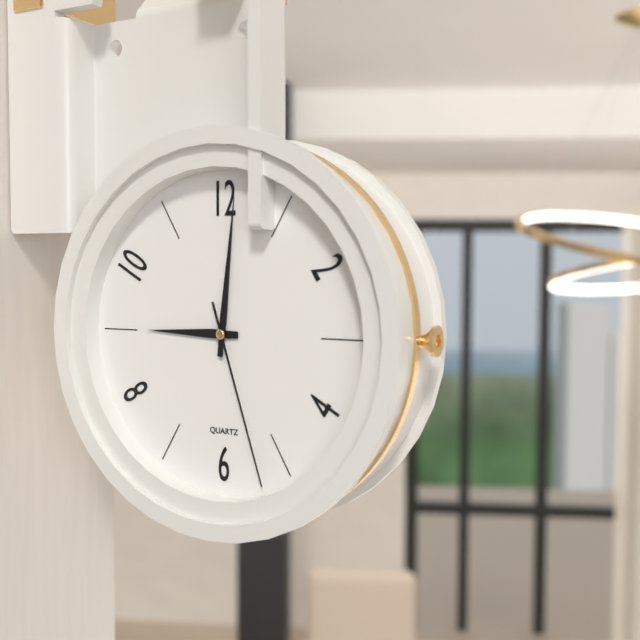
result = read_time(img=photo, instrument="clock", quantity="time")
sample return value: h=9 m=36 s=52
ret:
h=9 m=1 s=27
